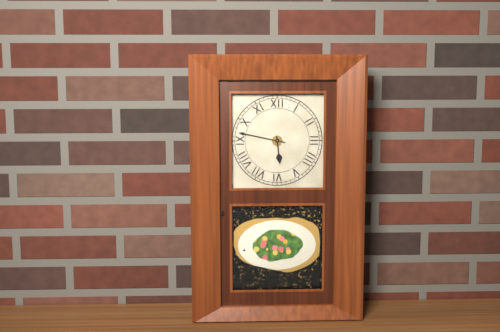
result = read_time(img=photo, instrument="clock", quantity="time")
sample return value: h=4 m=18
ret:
h=5 m=47
